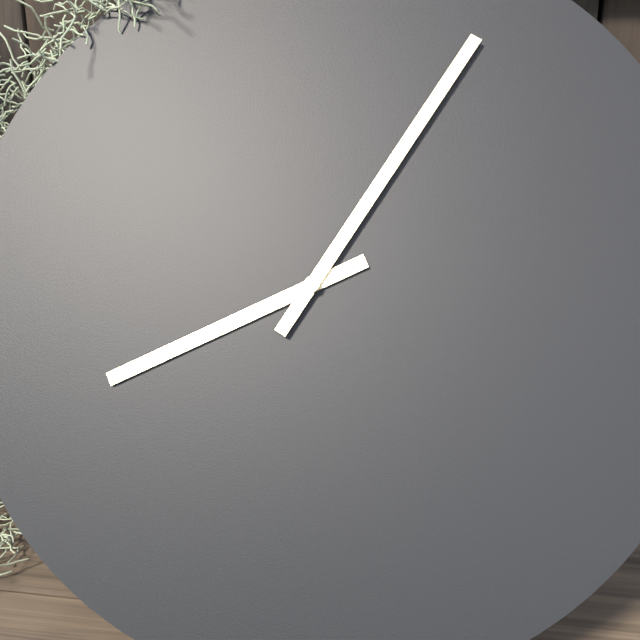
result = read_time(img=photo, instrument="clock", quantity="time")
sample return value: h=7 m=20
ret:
h=8 m=5
